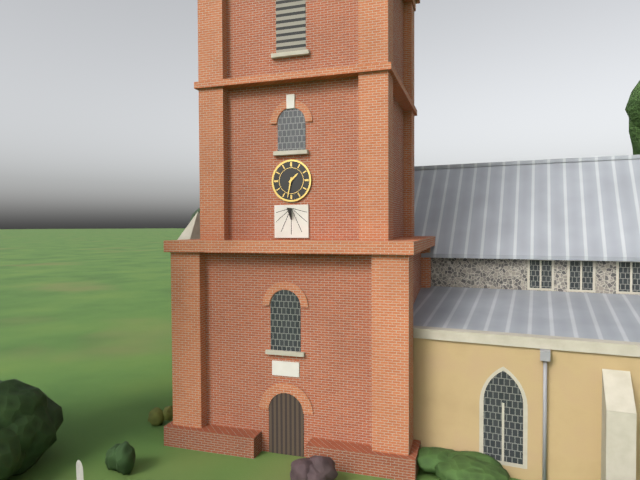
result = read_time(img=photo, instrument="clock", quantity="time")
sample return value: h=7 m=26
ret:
h=1 m=32
